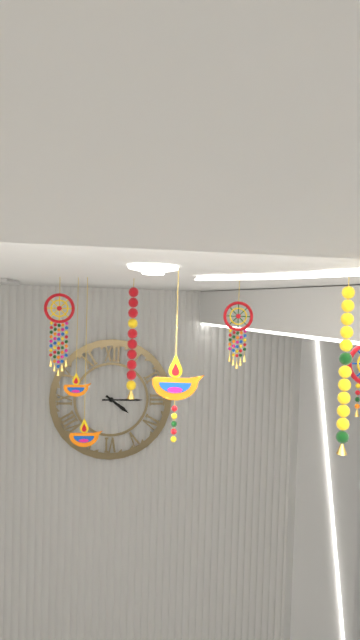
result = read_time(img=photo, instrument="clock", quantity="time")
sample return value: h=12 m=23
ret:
h=4 m=15
